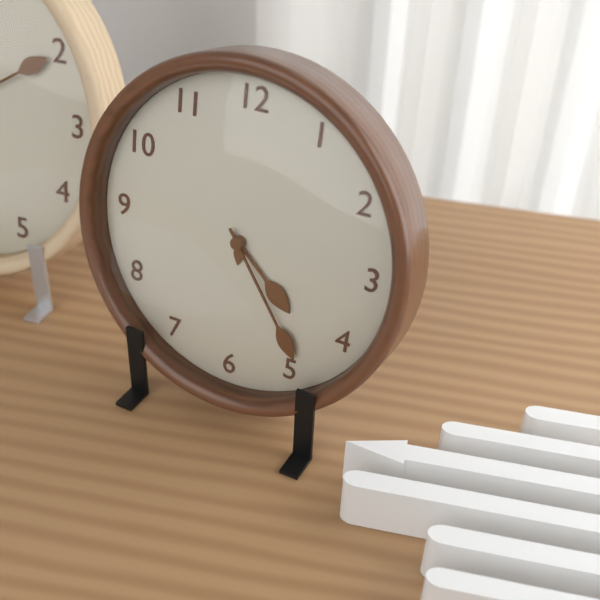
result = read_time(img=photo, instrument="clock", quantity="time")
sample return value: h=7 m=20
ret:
h=4 m=24
